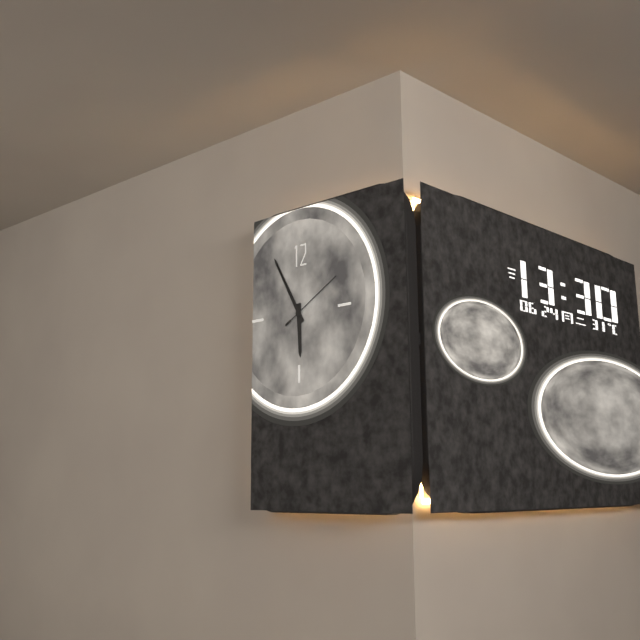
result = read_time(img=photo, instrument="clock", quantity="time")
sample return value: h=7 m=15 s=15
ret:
h=5 m=55 s=10
